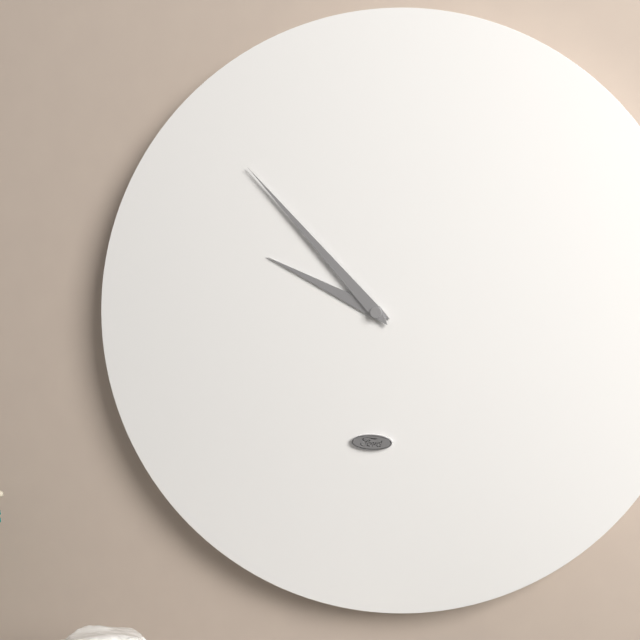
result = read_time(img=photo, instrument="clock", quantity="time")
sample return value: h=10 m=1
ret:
h=9 m=53
